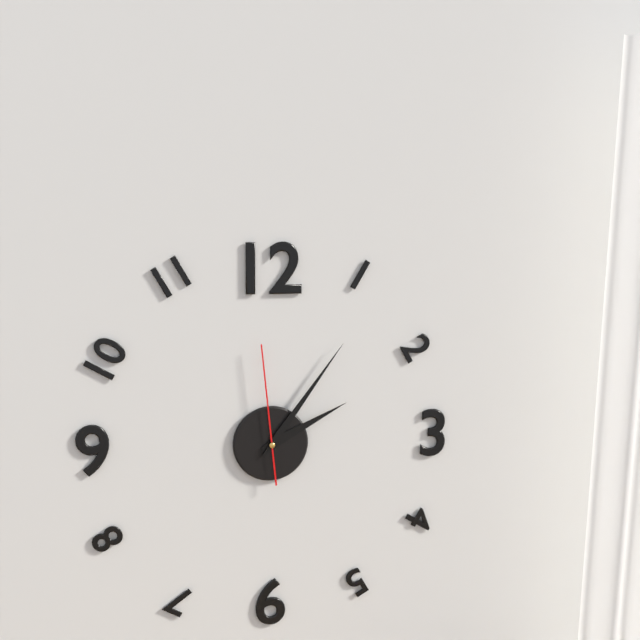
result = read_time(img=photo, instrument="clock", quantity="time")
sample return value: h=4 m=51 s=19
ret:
h=2 m=6 s=59
